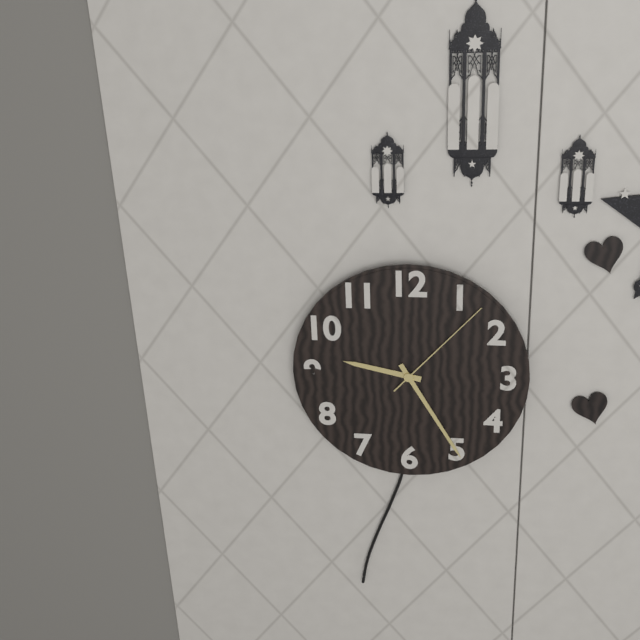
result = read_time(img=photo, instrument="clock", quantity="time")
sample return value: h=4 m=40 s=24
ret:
h=9 m=25 s=7
